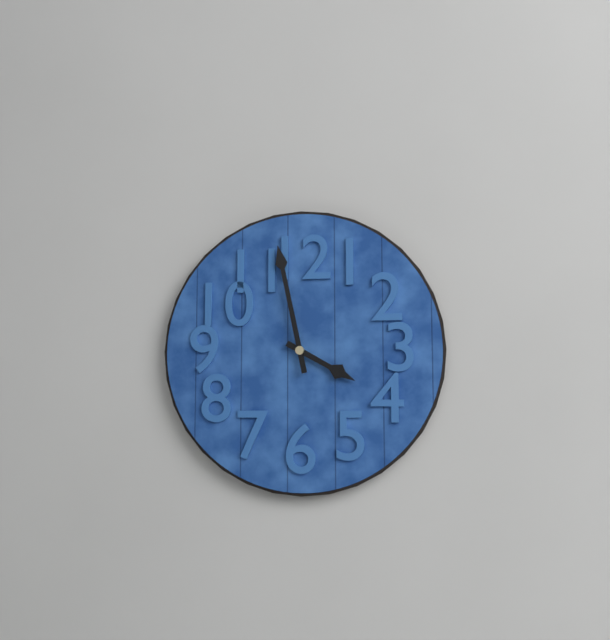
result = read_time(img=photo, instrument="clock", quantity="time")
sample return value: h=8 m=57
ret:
h=3 m=58
